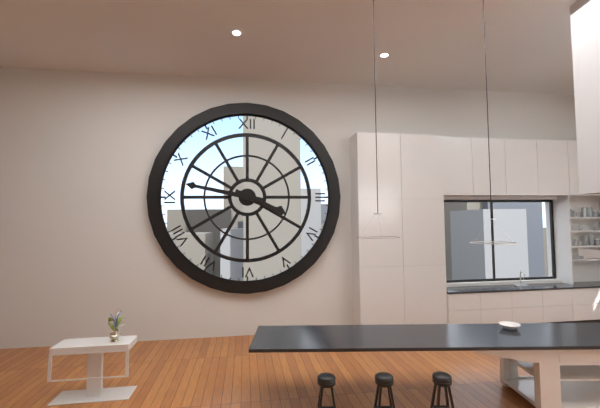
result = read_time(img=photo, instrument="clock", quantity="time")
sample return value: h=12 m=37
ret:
h=3 m=47
